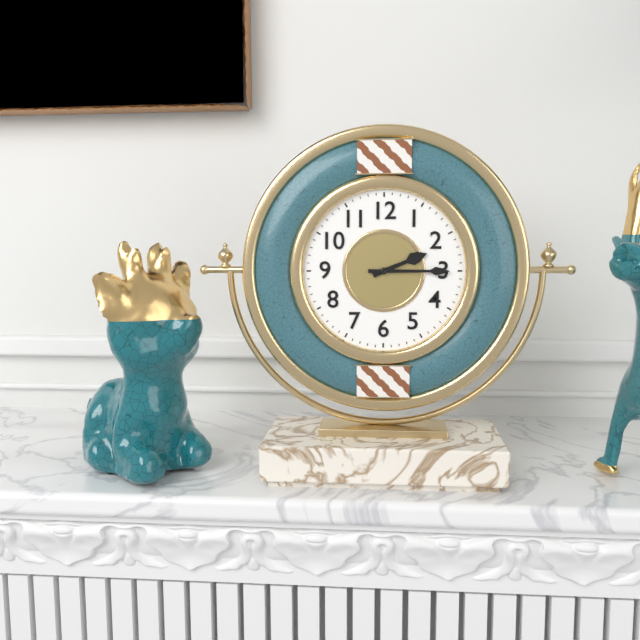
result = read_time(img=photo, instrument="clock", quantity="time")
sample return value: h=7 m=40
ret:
h=2 m=15
